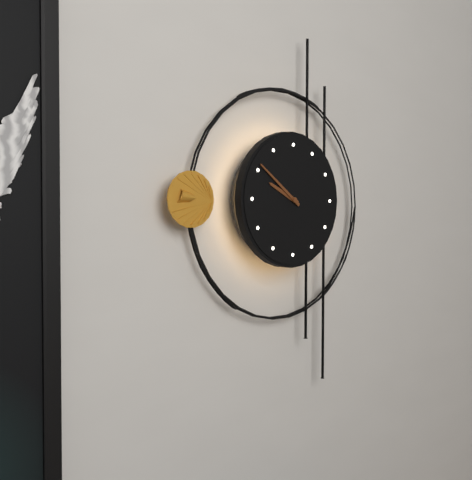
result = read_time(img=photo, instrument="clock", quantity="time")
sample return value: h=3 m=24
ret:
h=9 m=51
